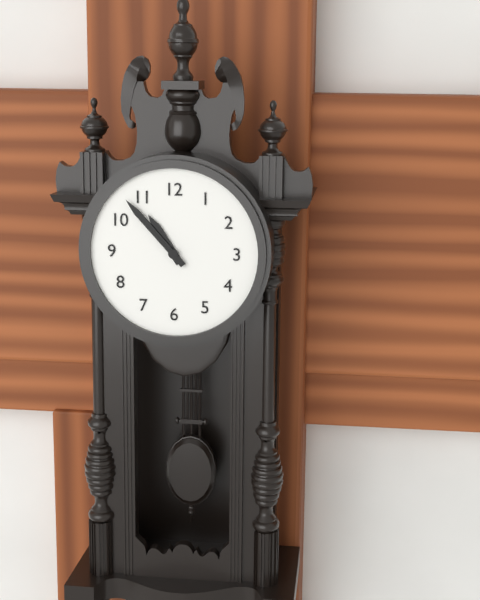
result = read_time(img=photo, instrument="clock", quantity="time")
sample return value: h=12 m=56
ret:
h=10 m=53
